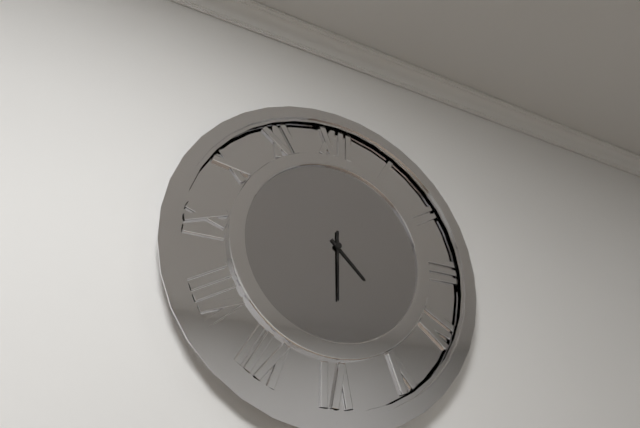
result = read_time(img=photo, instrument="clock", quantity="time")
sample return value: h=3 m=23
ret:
h=4 m=30
